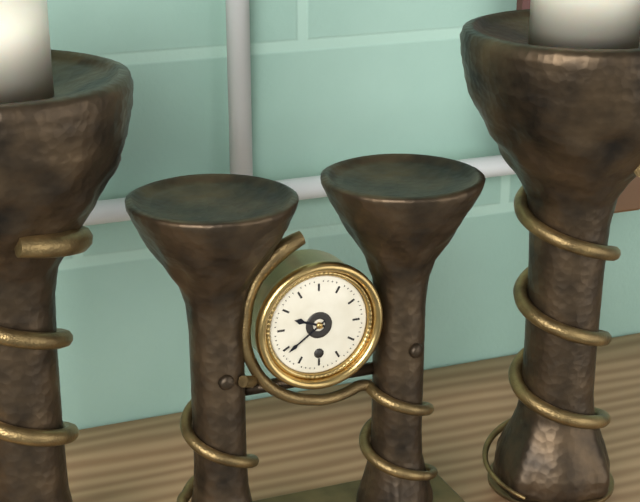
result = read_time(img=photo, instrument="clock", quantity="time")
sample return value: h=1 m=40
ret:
h=9 m=39
